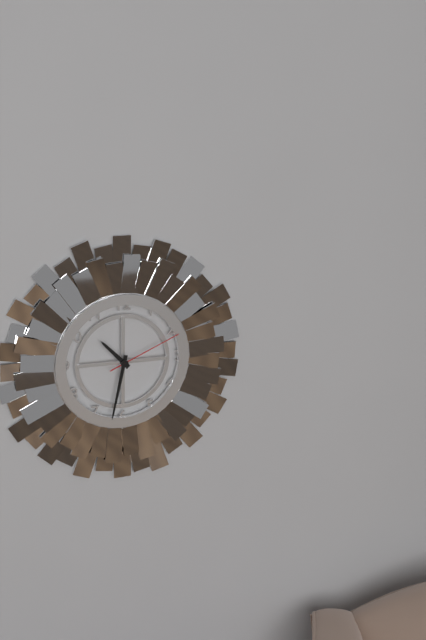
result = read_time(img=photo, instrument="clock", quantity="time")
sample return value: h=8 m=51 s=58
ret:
h=10 m=32 s=11
